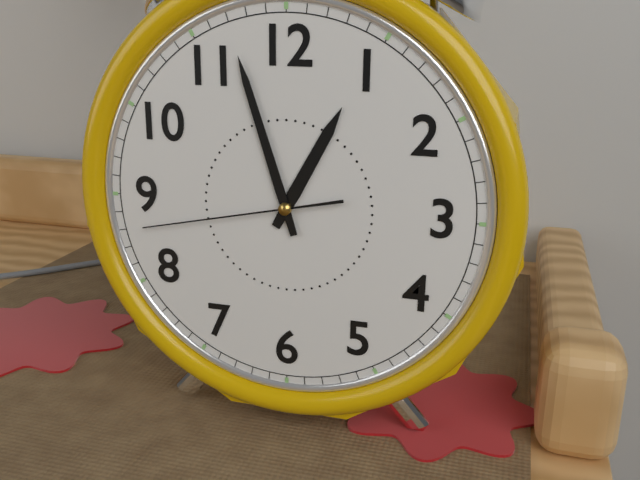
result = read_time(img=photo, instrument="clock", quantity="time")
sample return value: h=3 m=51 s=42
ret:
h=12 m=57 s=43
